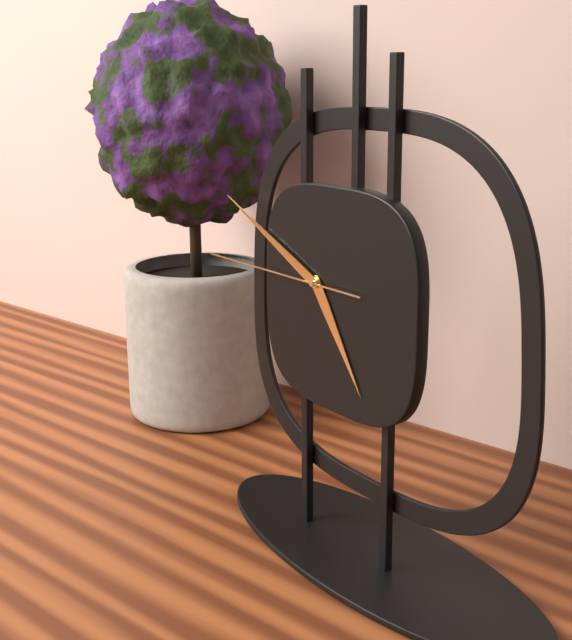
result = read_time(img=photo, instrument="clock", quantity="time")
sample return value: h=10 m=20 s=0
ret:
h=4 m=49 s=45
